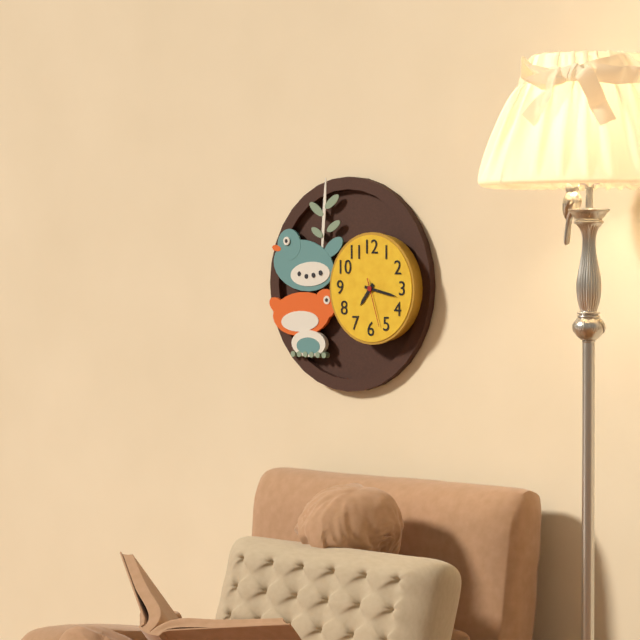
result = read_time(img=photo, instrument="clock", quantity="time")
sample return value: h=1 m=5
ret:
h=7 m=17
